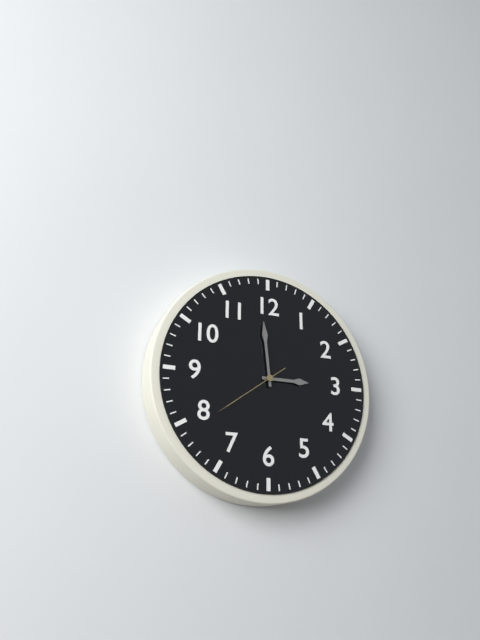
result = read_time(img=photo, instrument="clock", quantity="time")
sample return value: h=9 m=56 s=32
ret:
h=2 m=59 s=39
